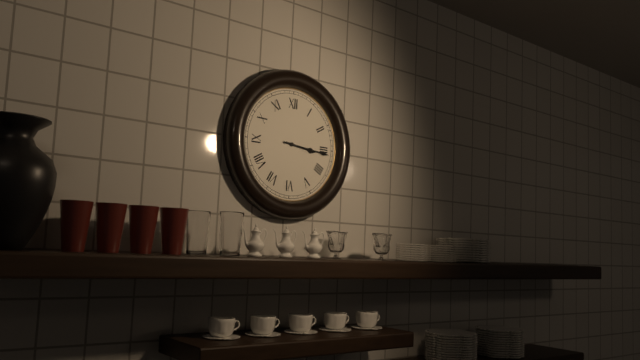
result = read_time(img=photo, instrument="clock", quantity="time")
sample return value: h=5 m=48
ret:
h=3 m=16
